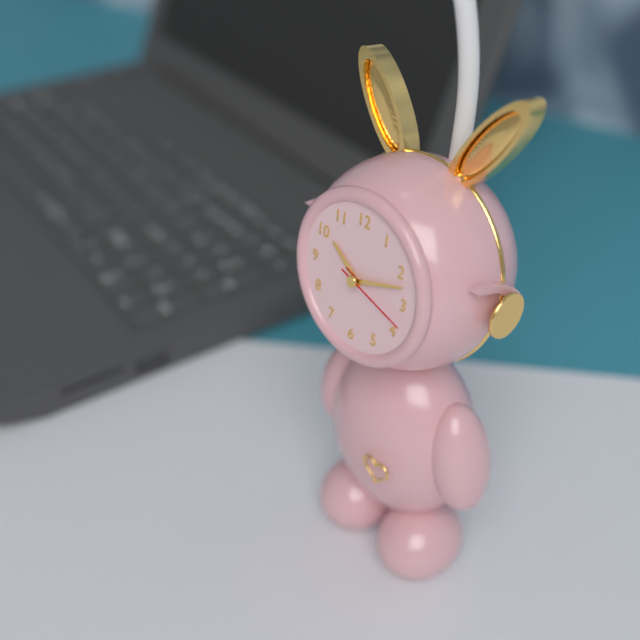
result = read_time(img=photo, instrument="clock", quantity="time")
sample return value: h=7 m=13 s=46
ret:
h=10 m=12 s=18
